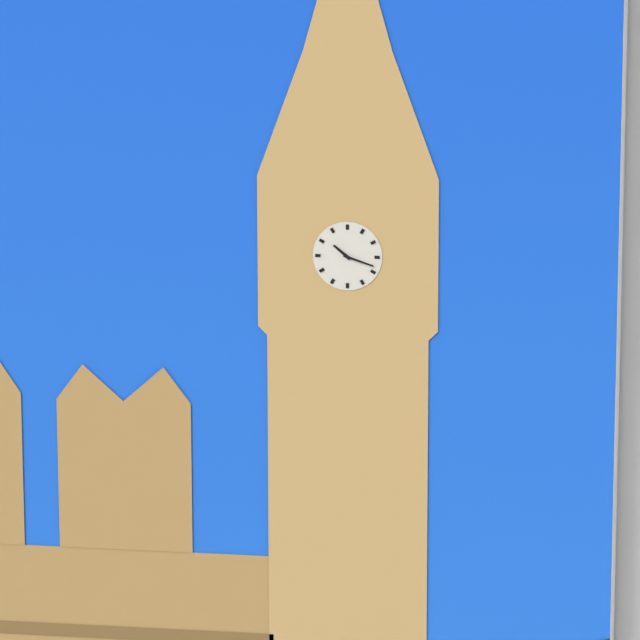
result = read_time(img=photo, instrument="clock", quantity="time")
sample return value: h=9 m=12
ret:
h=10 m=18
